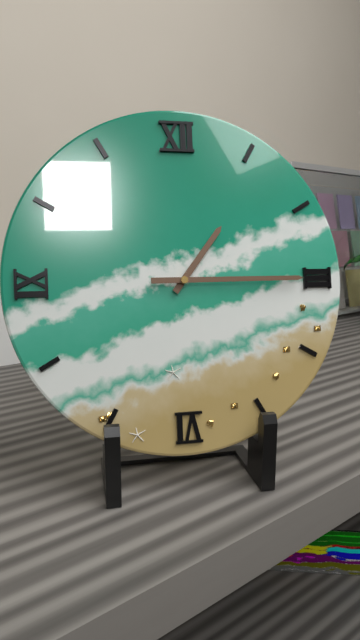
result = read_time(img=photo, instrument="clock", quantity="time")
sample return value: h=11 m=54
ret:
h=1 m=15
